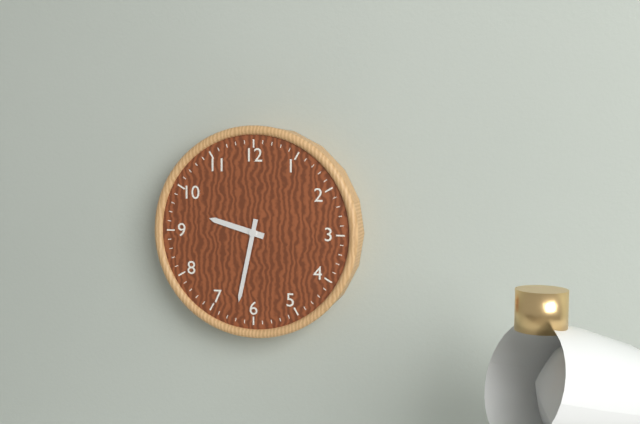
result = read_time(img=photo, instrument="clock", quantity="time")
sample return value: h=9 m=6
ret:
h=9 m=32
